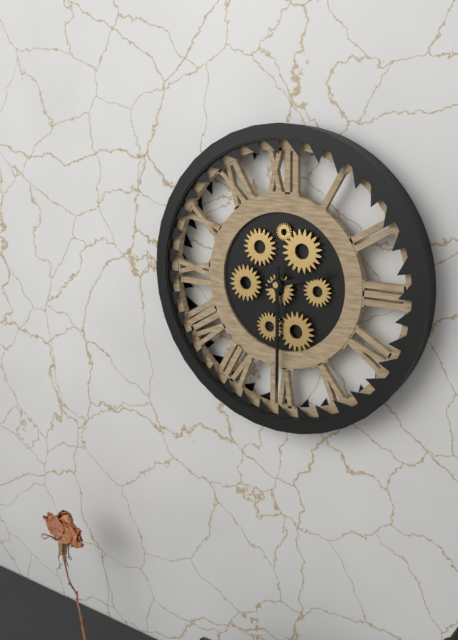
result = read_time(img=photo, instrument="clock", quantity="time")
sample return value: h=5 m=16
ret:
h=2 m=30
